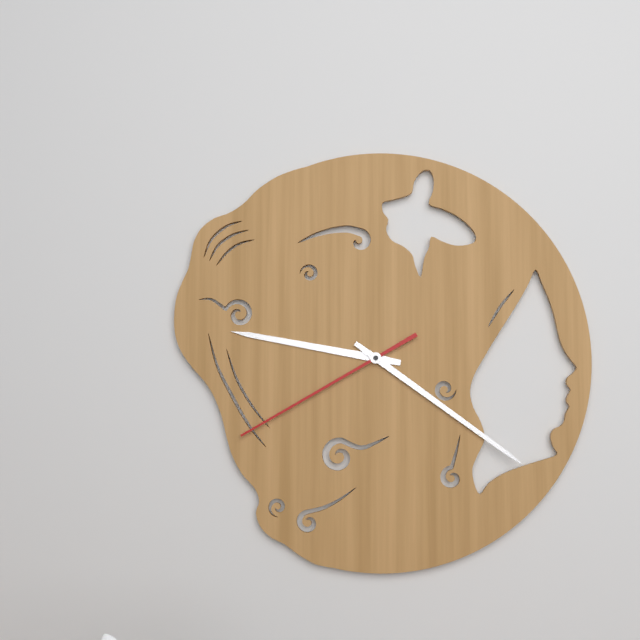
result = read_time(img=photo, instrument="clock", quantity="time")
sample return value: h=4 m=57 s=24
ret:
h=9 m=21 s=40
